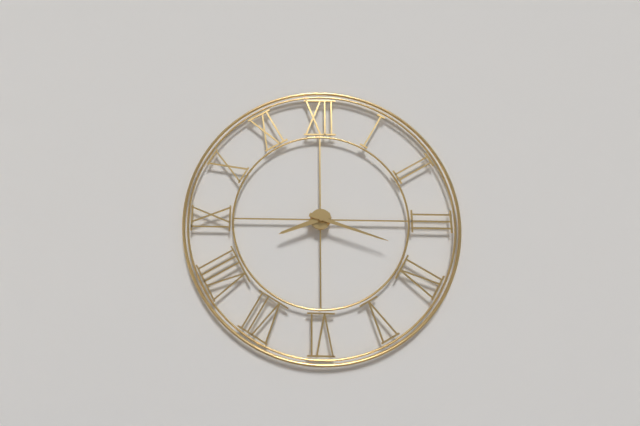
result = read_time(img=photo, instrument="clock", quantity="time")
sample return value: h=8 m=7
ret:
h=8 m=18
